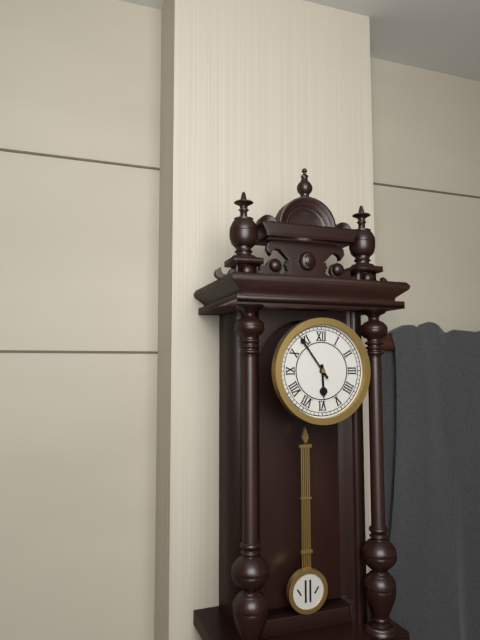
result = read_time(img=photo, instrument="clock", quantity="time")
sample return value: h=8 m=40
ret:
h=5 m=54
